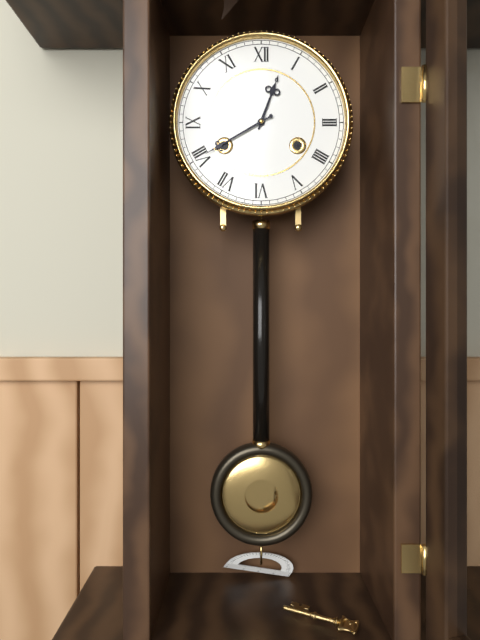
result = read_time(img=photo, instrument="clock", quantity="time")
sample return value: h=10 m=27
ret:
h=12 m=40
